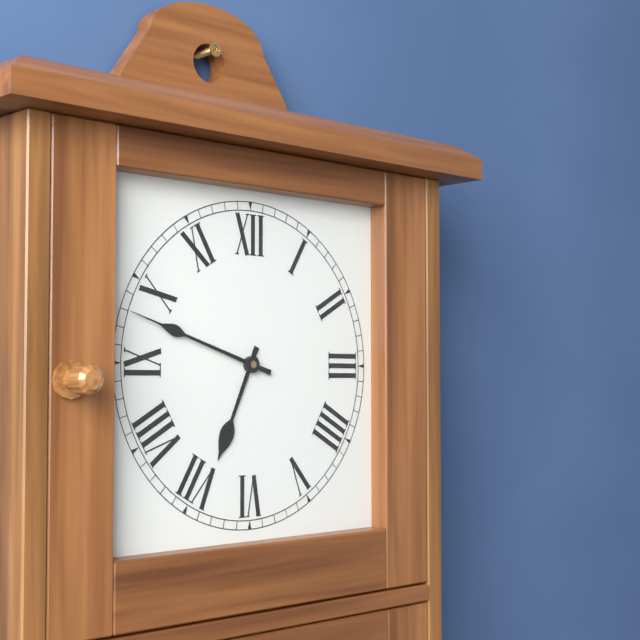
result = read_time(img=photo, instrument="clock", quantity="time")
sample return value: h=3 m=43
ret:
h=6 m=48
